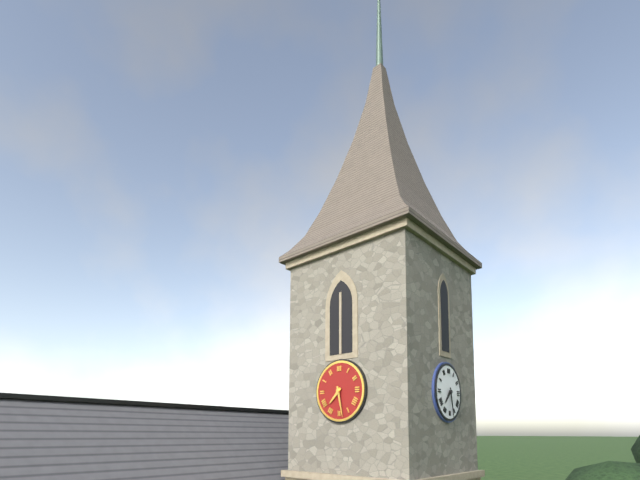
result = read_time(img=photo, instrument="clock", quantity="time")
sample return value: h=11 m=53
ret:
h=7 m=28
